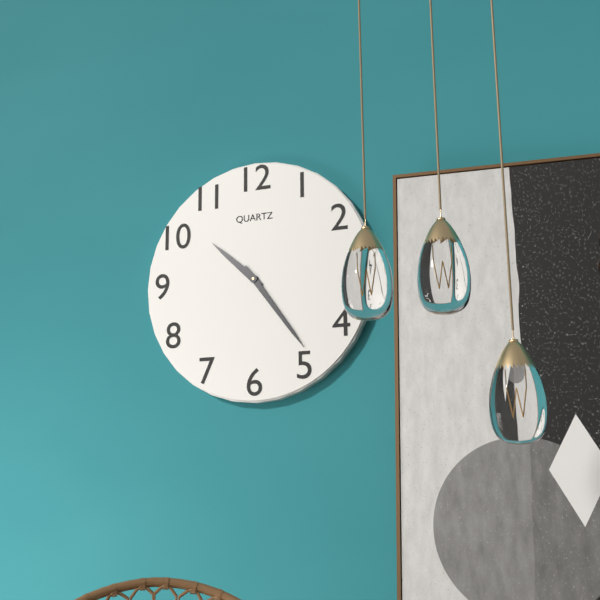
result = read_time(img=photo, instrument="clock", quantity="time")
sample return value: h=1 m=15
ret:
h=10 m=24
